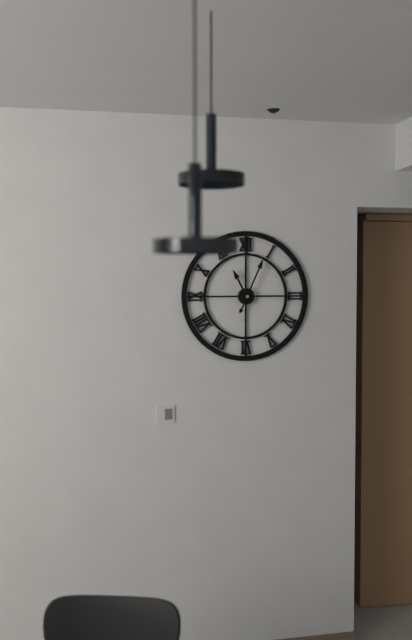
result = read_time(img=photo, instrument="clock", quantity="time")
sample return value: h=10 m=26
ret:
h=11 m=4
